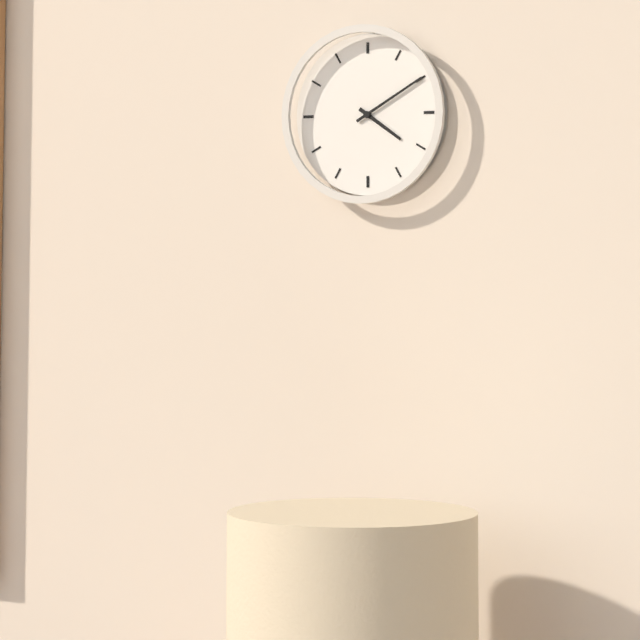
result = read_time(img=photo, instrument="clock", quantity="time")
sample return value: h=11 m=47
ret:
h=4 m=10
